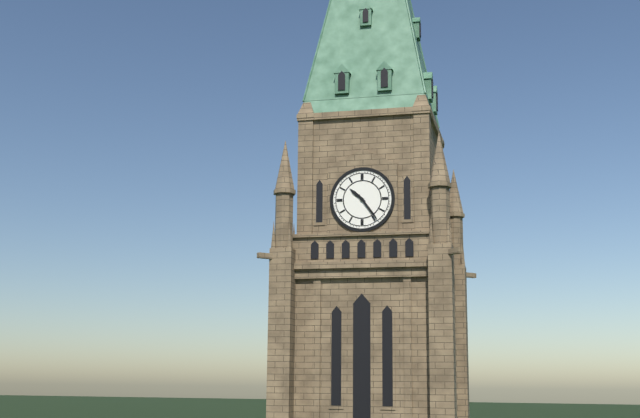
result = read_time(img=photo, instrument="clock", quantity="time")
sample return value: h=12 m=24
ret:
h=10 m=24
